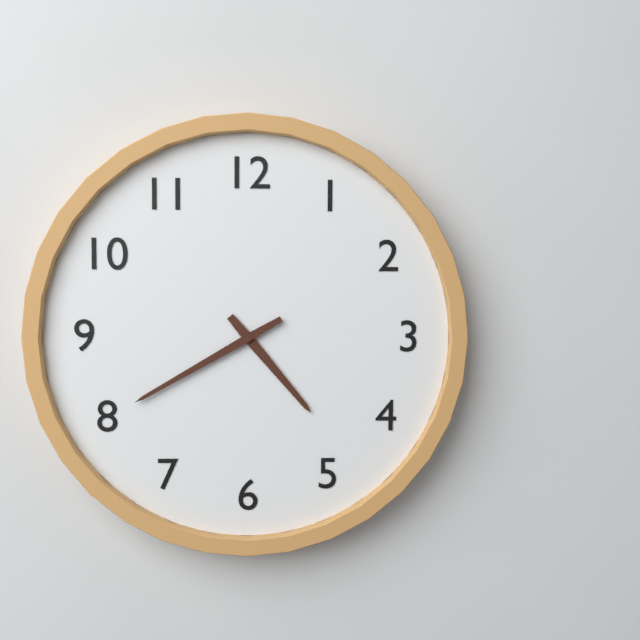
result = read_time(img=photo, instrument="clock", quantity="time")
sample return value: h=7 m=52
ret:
h=4 m=40
